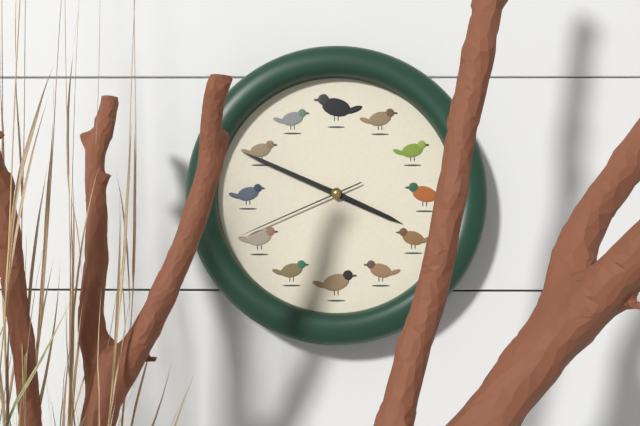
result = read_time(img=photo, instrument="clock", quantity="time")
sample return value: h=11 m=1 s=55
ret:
h=3 m=49 s=41
